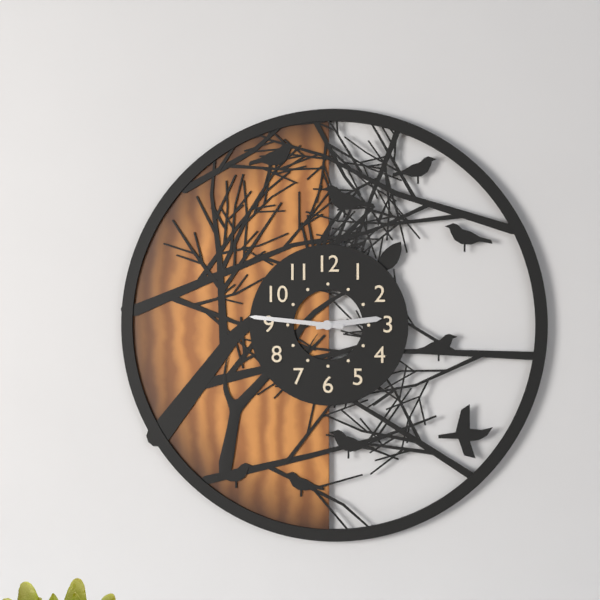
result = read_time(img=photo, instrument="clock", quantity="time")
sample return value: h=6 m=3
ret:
h=2 m=46
